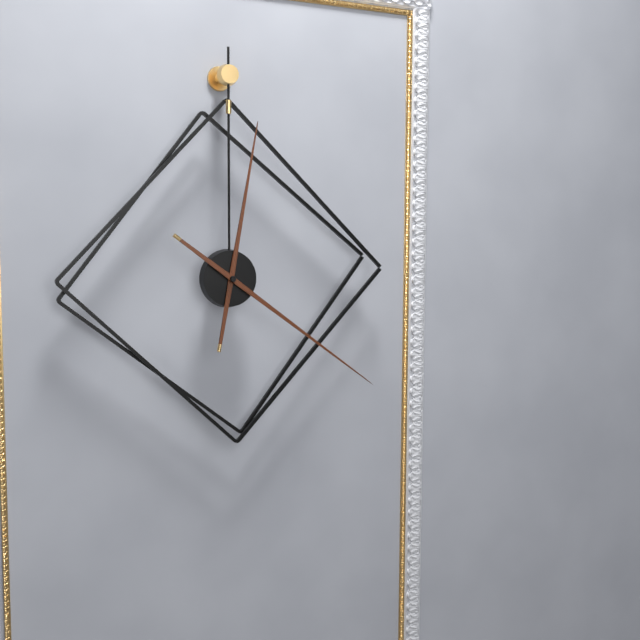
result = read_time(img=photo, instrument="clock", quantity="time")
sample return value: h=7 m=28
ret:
h=12 m=21
